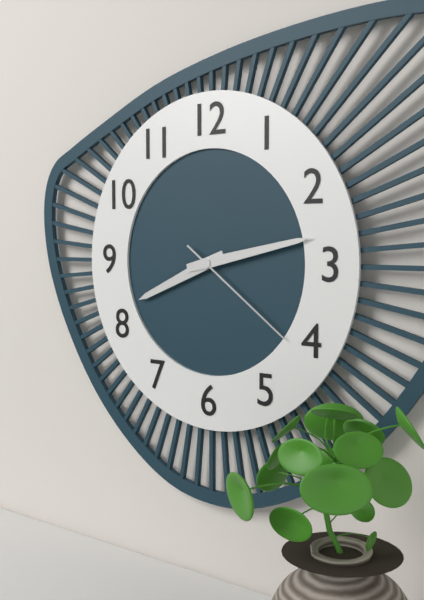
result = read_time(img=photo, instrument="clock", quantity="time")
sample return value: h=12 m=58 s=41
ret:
h=8 m=13 s=21
